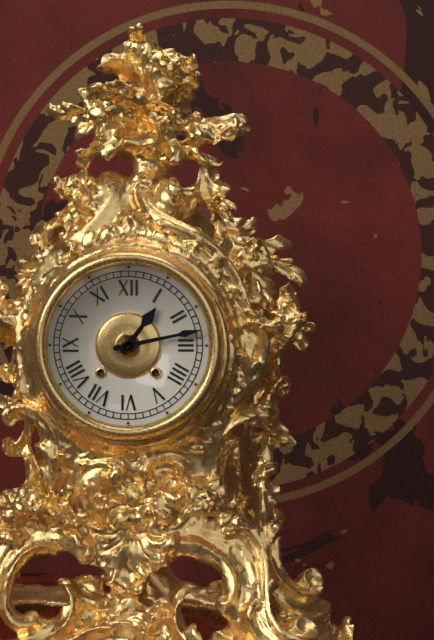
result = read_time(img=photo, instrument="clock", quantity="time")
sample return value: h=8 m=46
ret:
h=1 m=13
